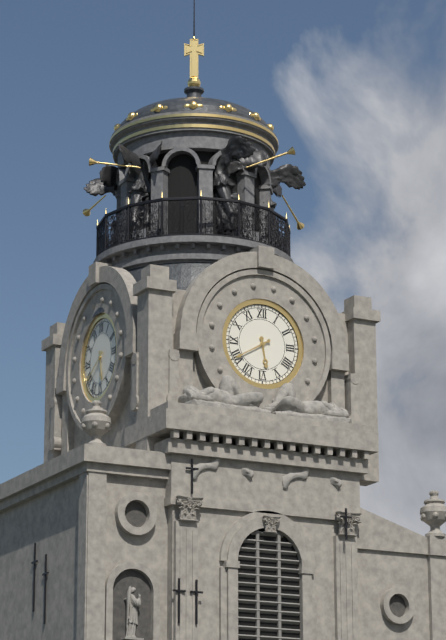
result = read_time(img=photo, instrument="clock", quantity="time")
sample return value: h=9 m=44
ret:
h=5 m=40
